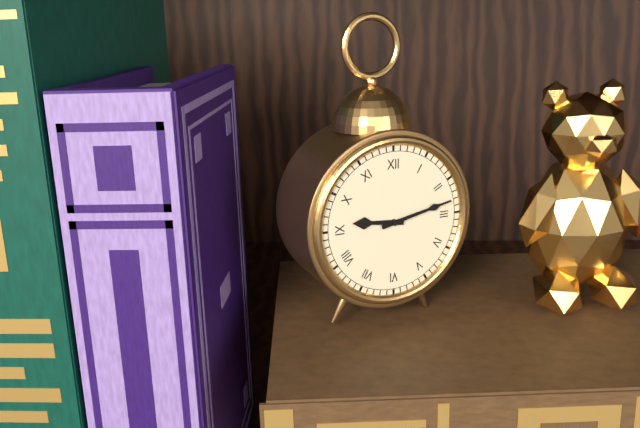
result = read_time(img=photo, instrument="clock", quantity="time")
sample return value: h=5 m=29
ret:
h=9 m=13
